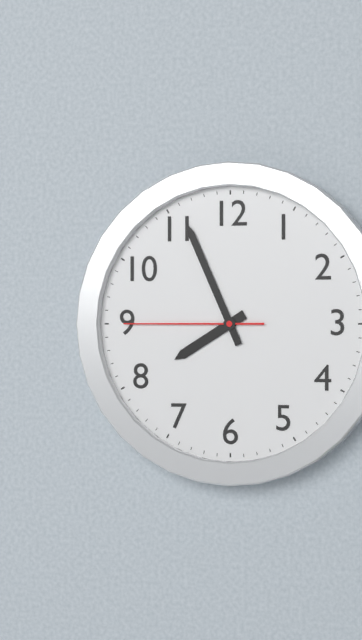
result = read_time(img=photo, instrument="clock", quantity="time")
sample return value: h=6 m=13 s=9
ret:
h=7 m=56 s=45
